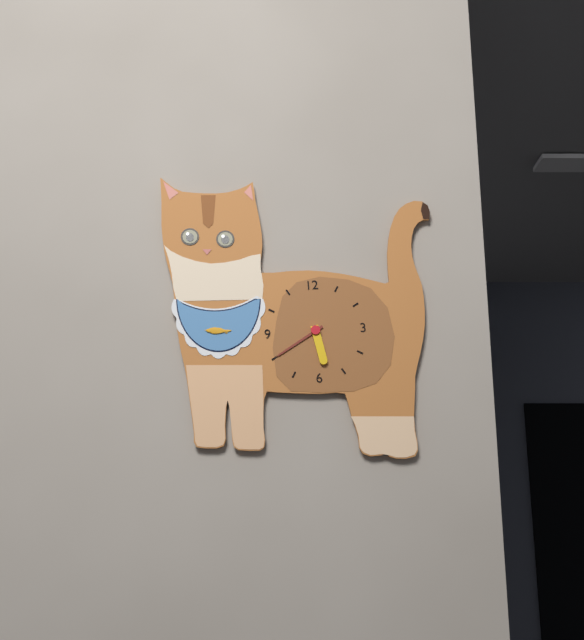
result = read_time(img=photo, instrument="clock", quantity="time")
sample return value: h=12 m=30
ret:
h=5 m=40
